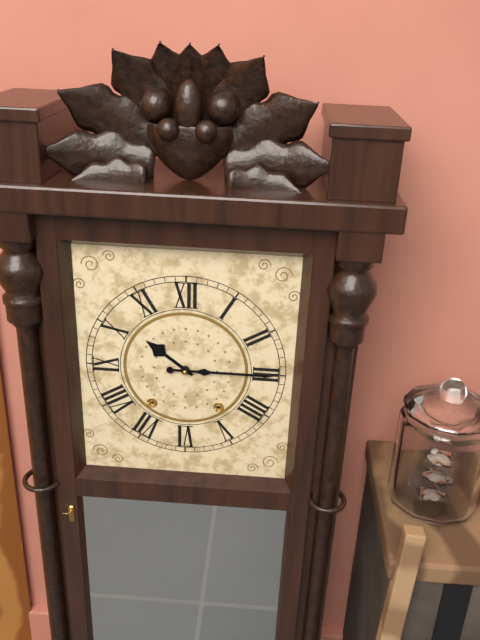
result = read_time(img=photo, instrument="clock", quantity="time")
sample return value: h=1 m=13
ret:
h=10 m=15
